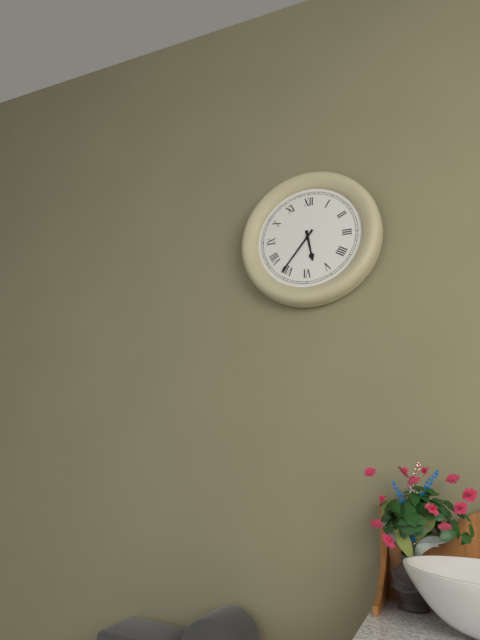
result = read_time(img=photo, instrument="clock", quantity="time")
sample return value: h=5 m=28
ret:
h=5 m=36
